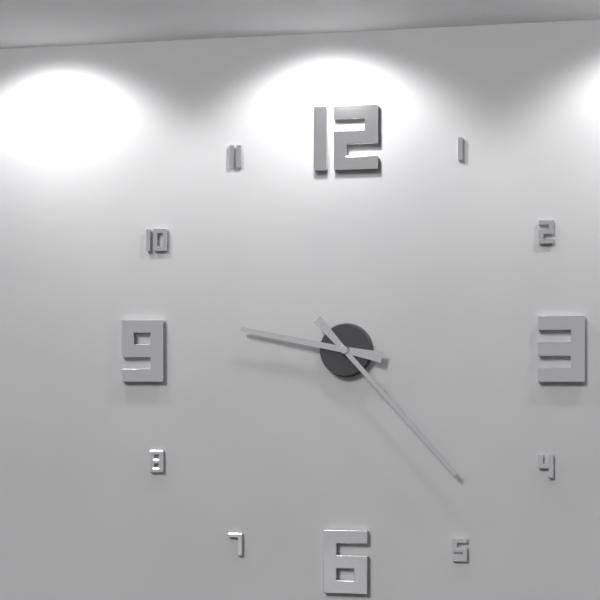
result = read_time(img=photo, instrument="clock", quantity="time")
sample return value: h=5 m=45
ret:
h=9 m=23
